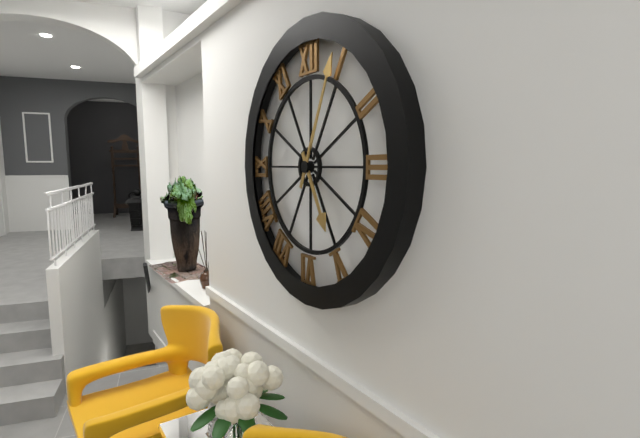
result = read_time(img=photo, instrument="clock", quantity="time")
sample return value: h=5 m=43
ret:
h=5 m=4
